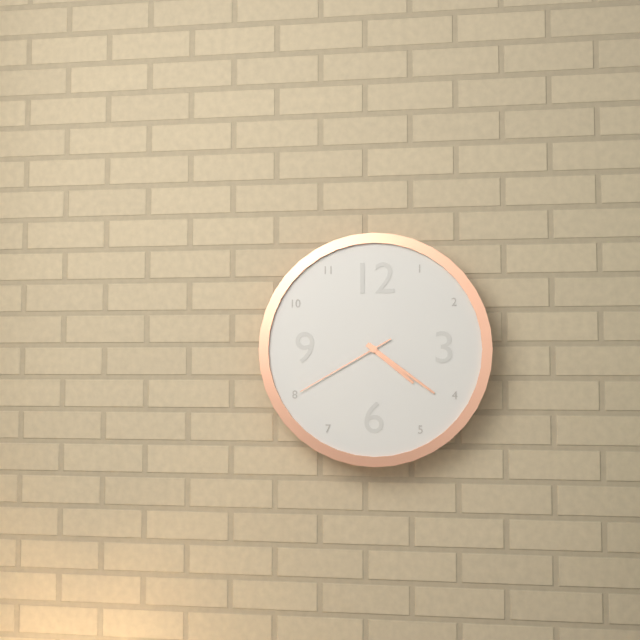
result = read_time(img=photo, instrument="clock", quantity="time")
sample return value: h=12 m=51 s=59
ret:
h=4 m=21 s=40
